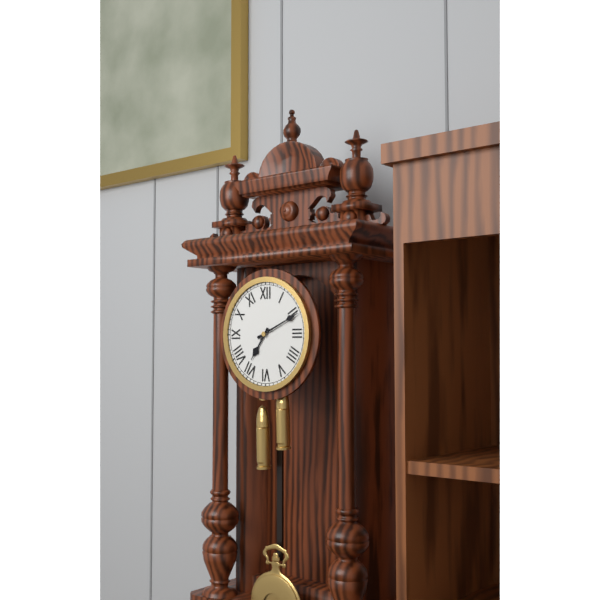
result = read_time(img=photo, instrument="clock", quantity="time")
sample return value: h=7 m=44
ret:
h=7 m=11
